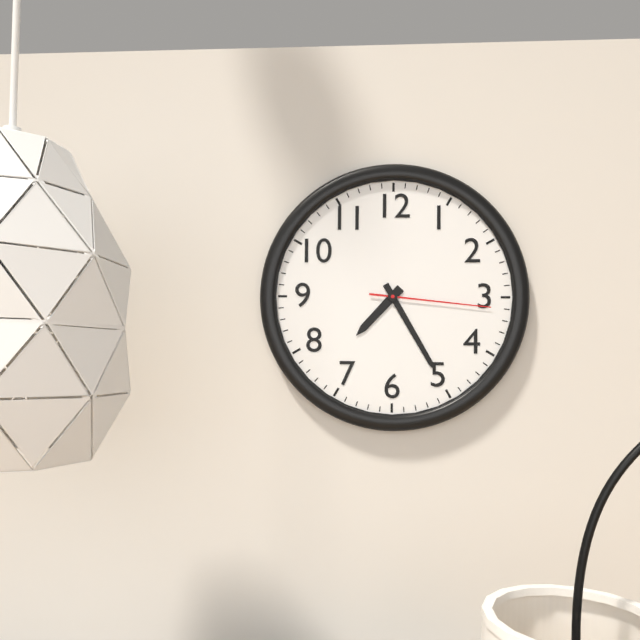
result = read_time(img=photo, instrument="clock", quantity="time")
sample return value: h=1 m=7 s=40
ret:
h=7 m=25 s=16
